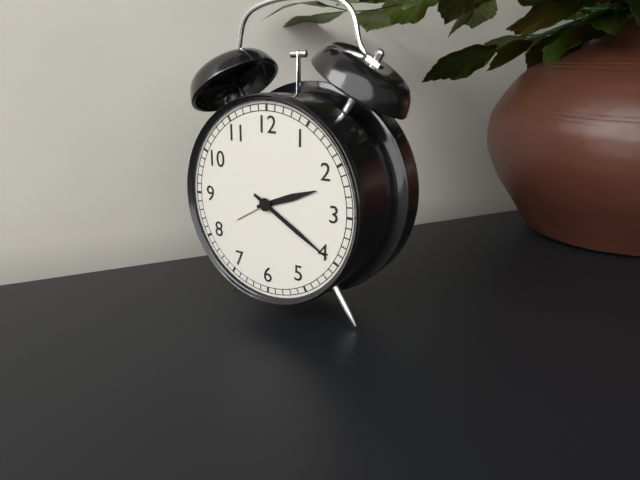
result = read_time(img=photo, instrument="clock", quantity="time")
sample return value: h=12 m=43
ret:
h=2 m=20
